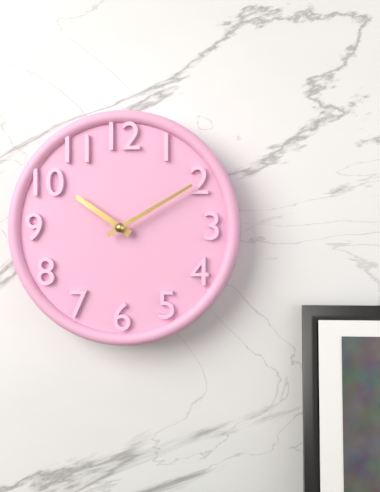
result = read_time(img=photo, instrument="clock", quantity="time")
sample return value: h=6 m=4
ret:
h=10 m=10
